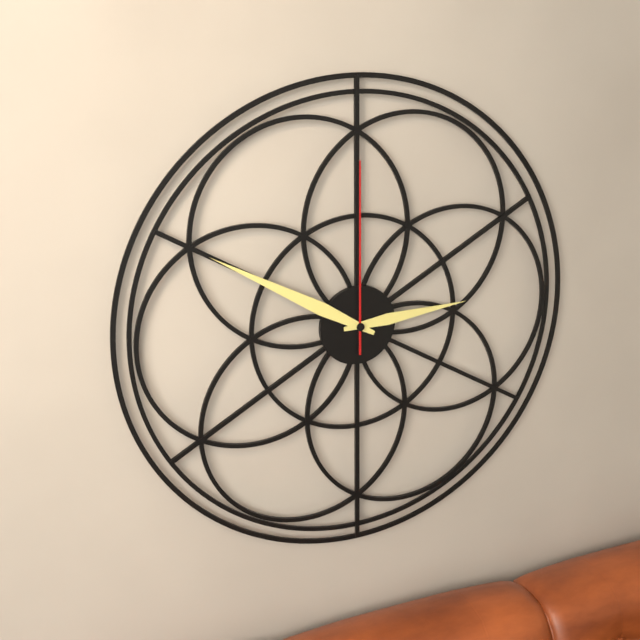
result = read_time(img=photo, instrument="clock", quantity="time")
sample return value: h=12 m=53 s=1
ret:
h=2 m=50 s=0
